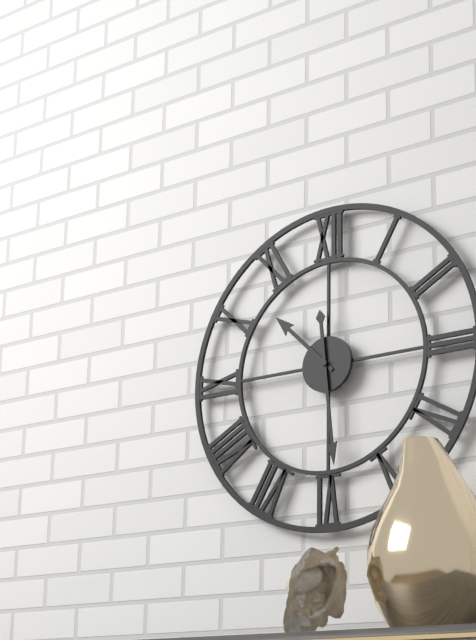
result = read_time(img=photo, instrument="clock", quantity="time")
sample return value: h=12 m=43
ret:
h=10 m=29
